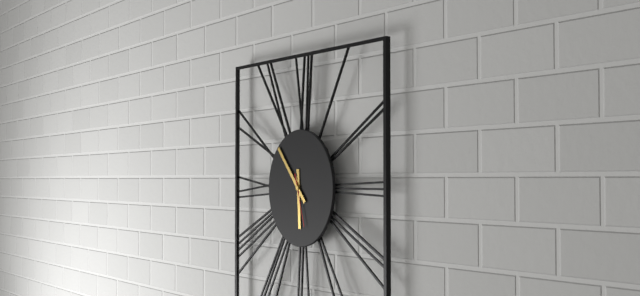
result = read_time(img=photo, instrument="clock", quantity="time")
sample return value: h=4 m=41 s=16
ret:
h=5 m=53 s=27
